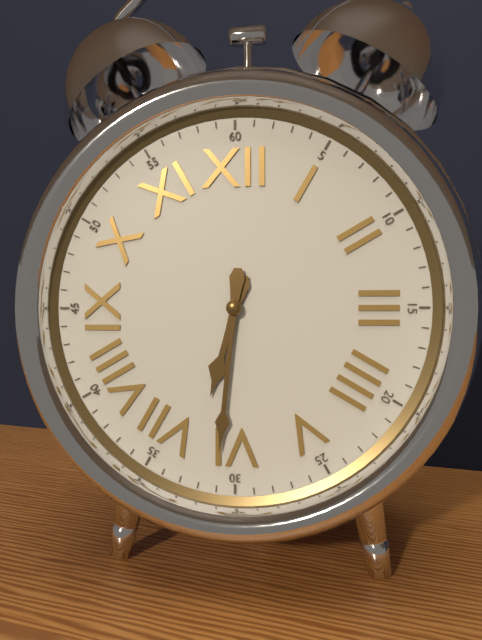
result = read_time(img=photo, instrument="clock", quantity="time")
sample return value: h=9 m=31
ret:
h=6 m=31
